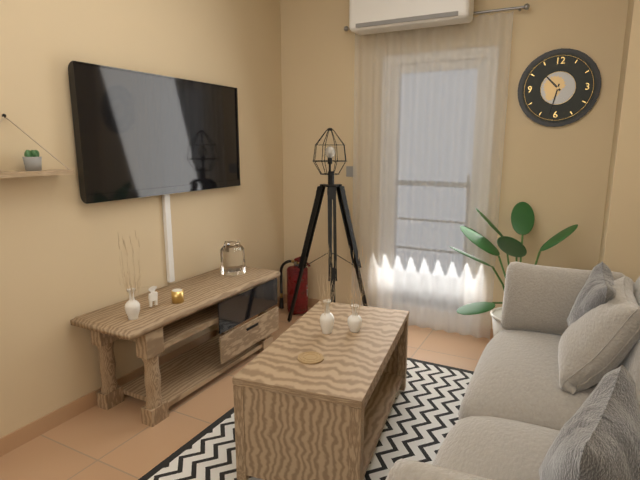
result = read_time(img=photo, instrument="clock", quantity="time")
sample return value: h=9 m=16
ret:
h=10 m=32
